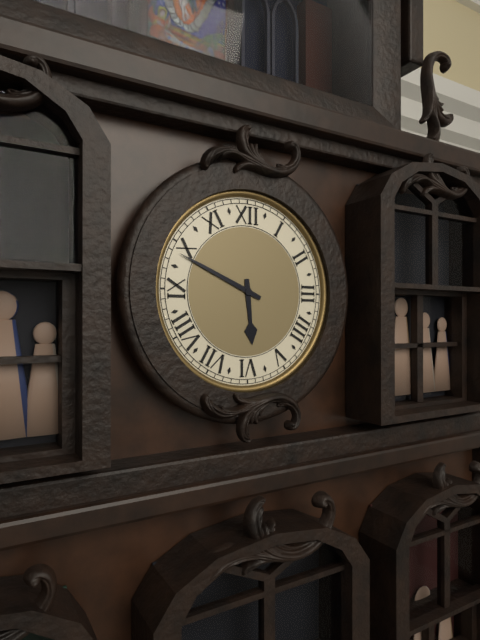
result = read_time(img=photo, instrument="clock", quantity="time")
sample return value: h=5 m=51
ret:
h=5 m=49
